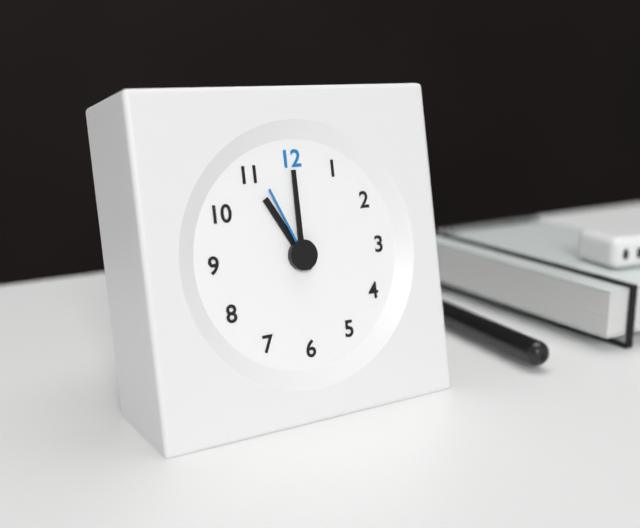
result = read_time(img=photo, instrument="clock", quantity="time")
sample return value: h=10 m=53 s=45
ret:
h=11 m=0 s=56
